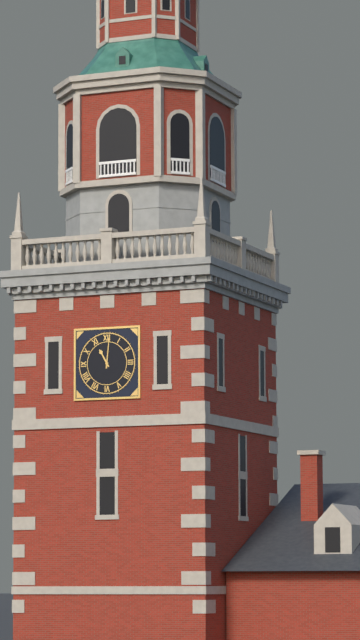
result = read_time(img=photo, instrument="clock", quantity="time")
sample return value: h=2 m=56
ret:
h=11 m=1
